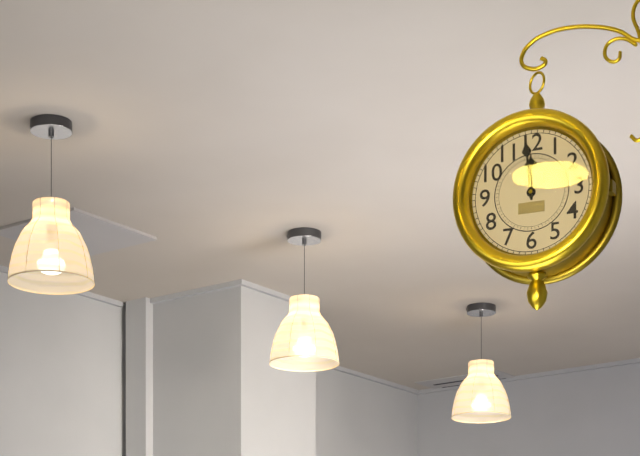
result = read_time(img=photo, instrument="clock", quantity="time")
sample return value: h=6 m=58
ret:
h=11 m=59
